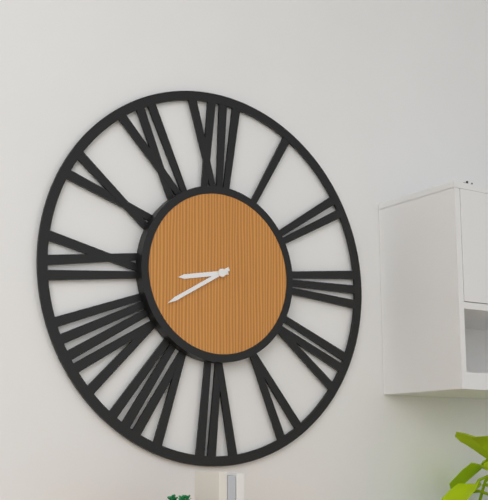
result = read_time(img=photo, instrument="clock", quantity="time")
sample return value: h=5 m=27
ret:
h=8 m=40
